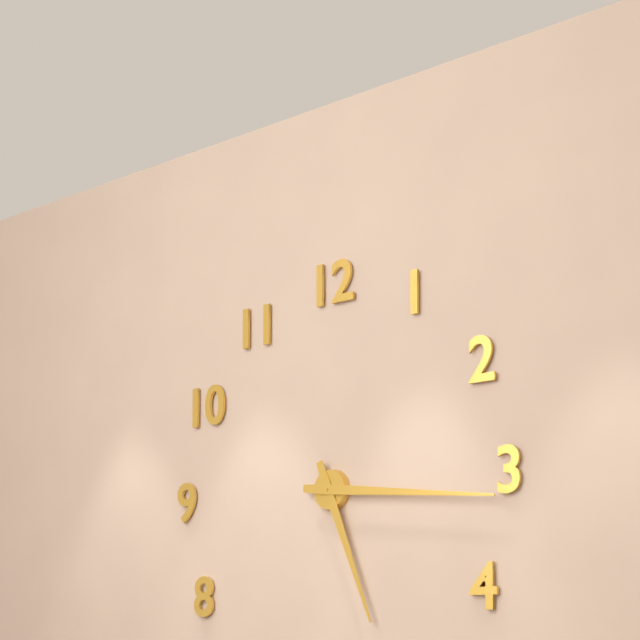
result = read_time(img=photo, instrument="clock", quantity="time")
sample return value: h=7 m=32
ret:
h=5 m=16
